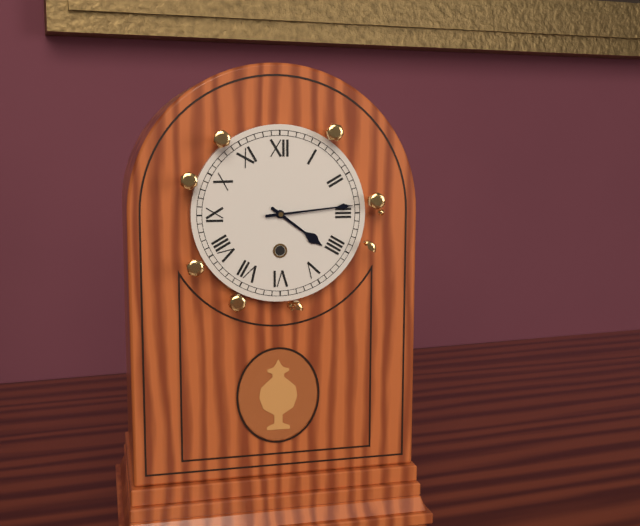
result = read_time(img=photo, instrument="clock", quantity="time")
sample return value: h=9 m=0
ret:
h=4 m=14
